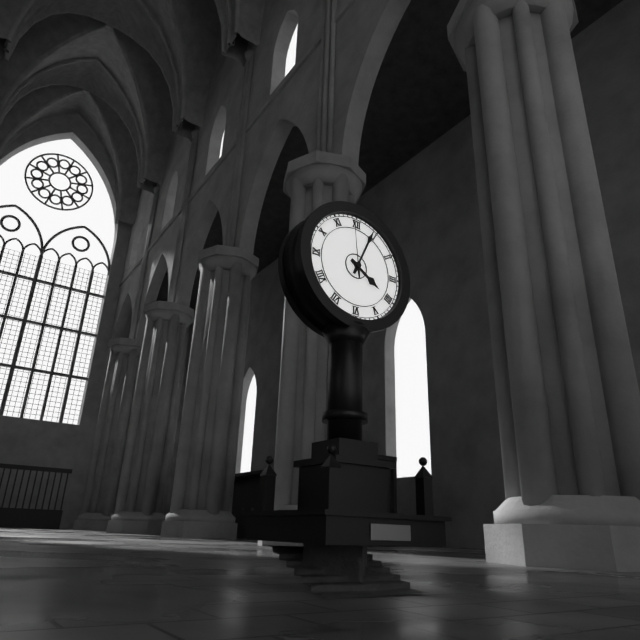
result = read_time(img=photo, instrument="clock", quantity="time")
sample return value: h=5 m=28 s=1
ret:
h=4 m=4 s=59
